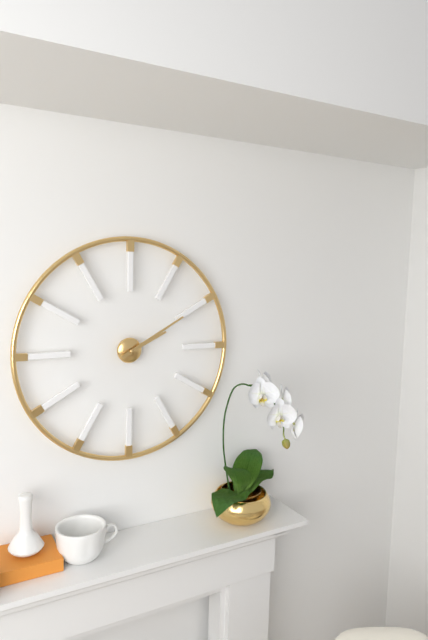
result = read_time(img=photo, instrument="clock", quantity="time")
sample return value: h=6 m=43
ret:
h=2 m=10
